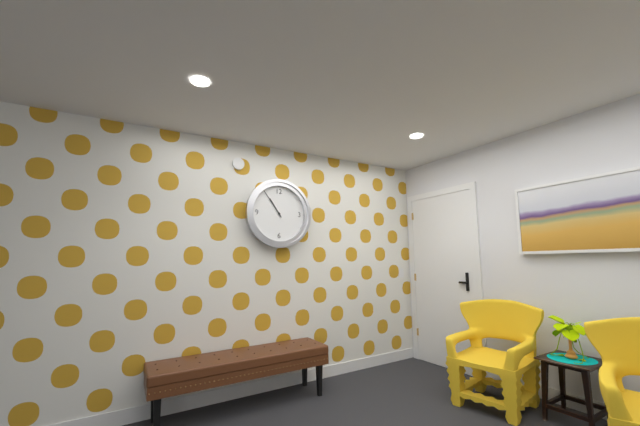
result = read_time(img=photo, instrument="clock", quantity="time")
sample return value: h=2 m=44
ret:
h=10 m=54
